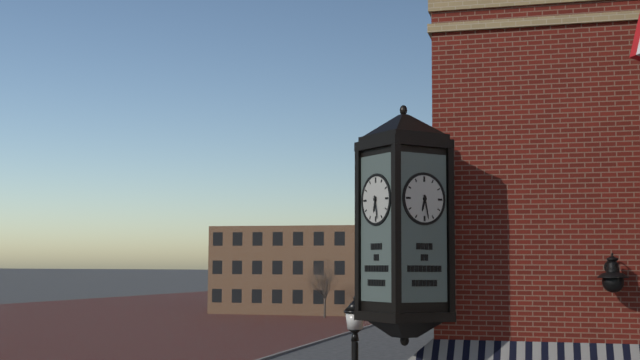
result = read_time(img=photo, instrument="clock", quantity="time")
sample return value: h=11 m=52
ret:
h=6 m=28
